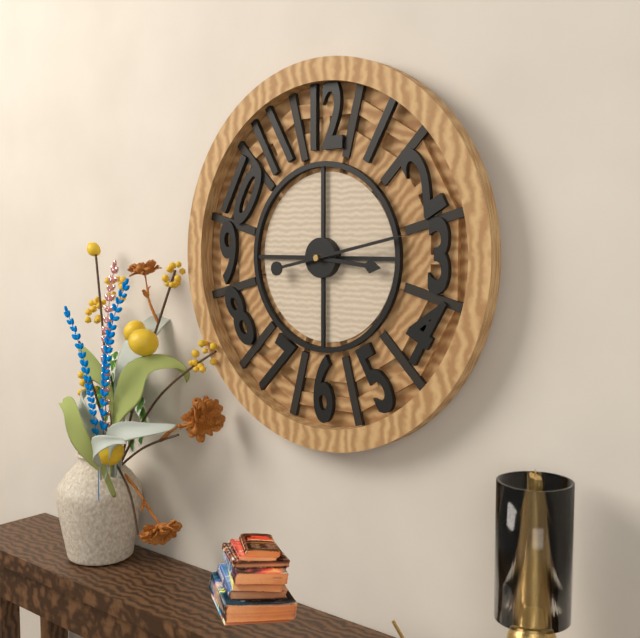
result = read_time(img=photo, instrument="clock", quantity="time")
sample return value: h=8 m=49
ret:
h=3 m=13
